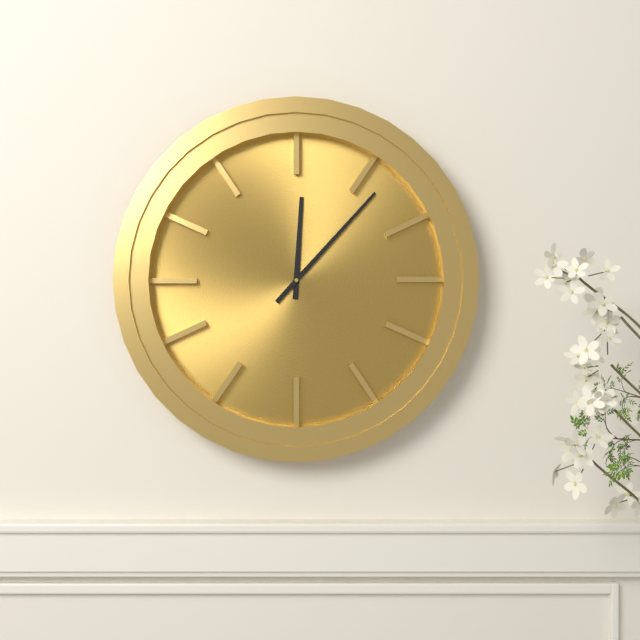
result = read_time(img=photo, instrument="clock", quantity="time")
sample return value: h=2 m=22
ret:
h=12 m=7
